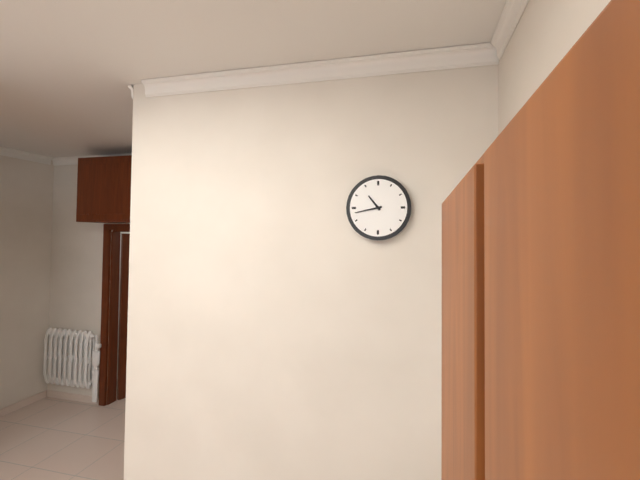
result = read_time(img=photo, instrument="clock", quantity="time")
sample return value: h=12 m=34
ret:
h=10 m=43
